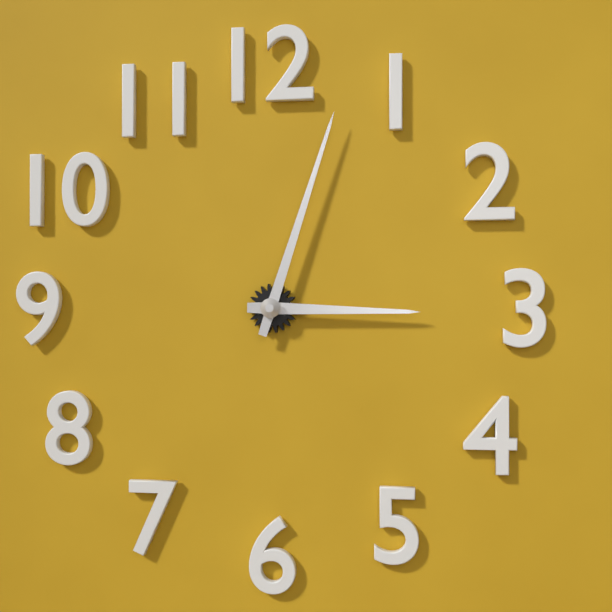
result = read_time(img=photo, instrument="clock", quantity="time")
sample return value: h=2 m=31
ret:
h=3 m=3
